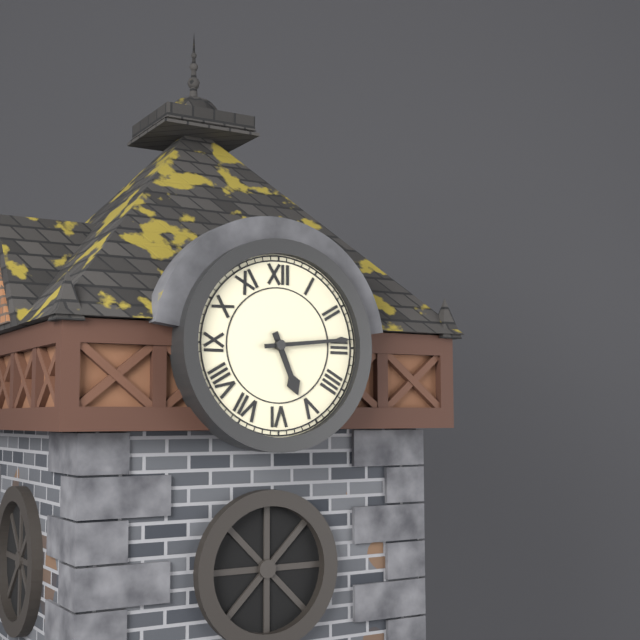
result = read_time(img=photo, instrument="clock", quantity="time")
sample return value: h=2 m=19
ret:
h=5 m=14
